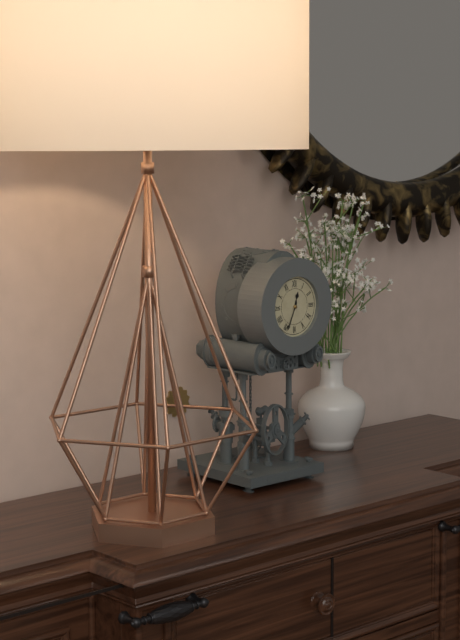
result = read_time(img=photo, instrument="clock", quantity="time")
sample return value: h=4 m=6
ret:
h=12 m=34
